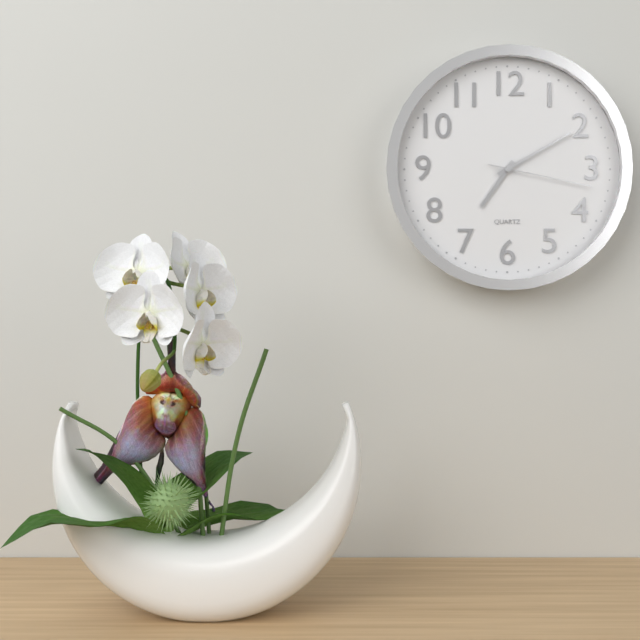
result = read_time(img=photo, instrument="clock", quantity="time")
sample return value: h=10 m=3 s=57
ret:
h=7 m=10 s=17
